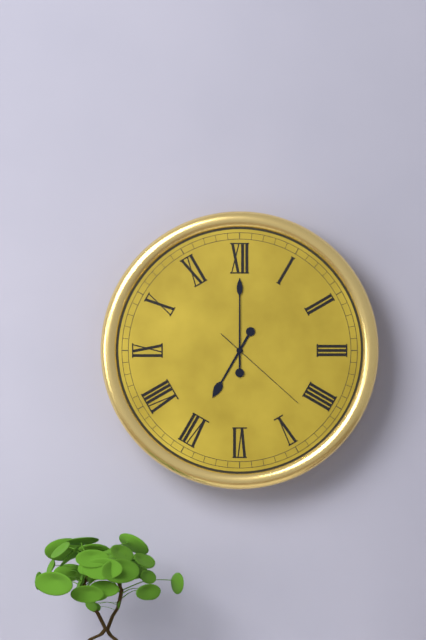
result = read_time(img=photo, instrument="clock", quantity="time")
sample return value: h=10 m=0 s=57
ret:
h=7 m=0 s=22
